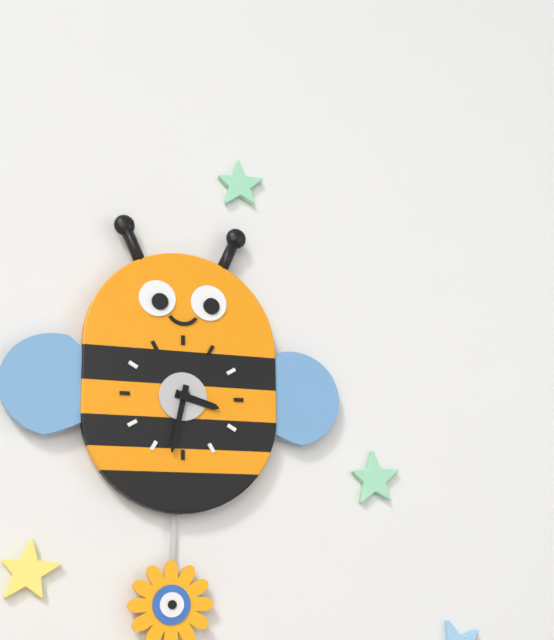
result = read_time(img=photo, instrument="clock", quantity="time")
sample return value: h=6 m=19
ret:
h=3 m=32
